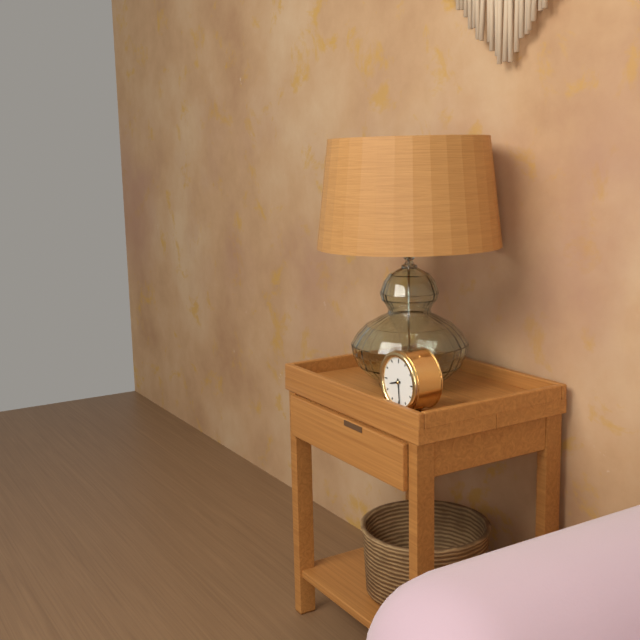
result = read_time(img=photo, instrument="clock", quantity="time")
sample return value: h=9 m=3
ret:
h=8 m=29
